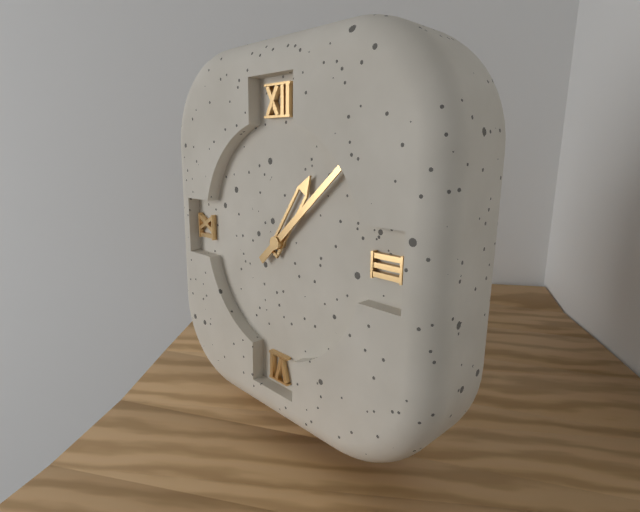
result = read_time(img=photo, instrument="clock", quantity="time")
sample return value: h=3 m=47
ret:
h=1 m=8
